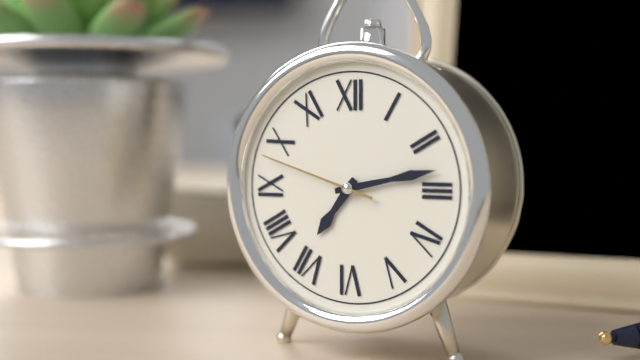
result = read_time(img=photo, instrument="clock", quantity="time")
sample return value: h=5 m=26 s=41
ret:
h=7 m=13 s=48
